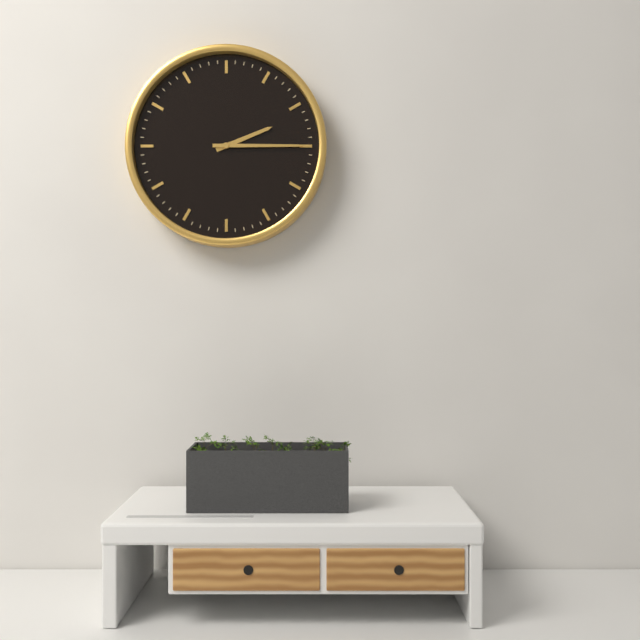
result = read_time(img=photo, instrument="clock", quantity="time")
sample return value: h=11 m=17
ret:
h=2 m=15
